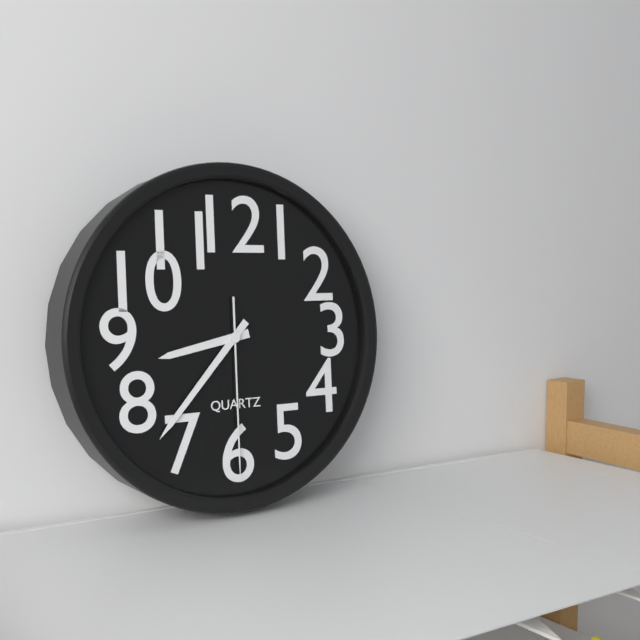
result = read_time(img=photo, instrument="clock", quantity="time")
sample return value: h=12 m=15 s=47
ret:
h=8 m=37 s=30
